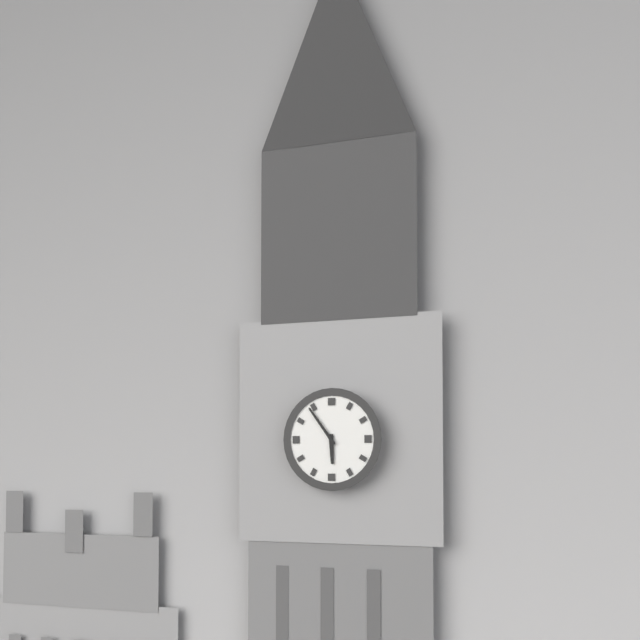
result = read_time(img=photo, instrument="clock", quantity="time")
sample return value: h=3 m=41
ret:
h=5 m=54
